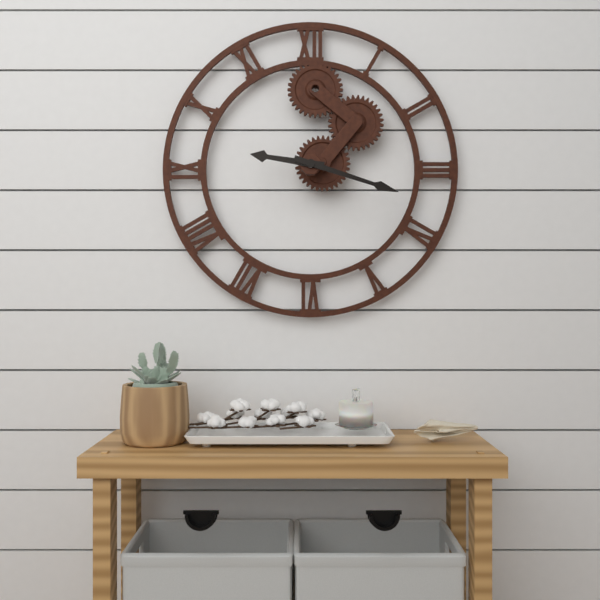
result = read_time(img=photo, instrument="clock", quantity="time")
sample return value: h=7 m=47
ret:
h=9 m=18
